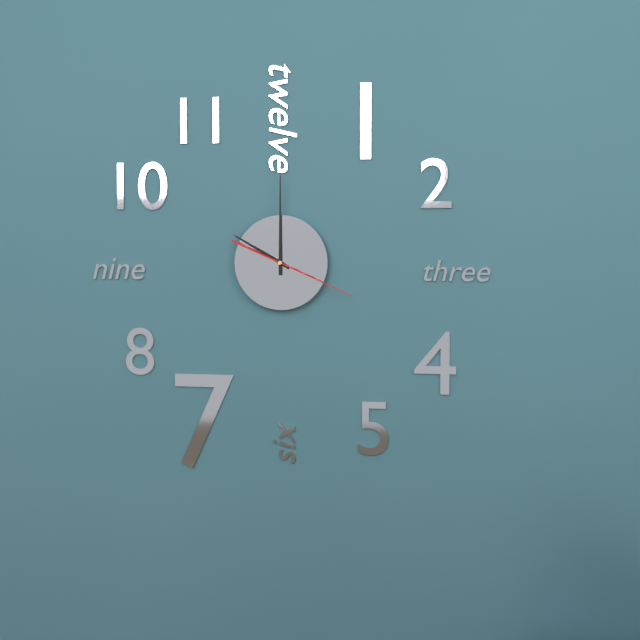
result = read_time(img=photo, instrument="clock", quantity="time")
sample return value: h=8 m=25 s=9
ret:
h=10 m=0 s=19
